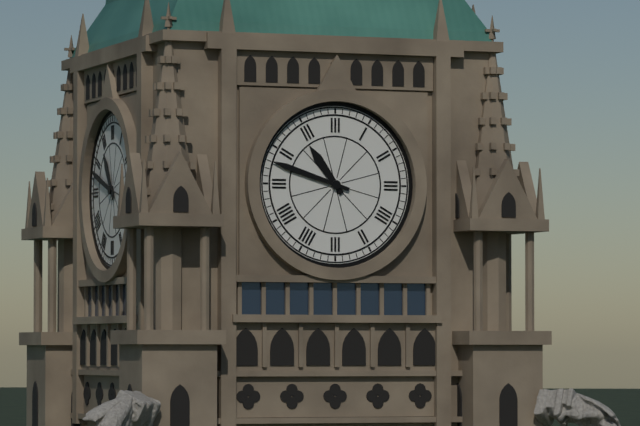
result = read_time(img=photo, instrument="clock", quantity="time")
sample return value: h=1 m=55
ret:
h=10 m=48
